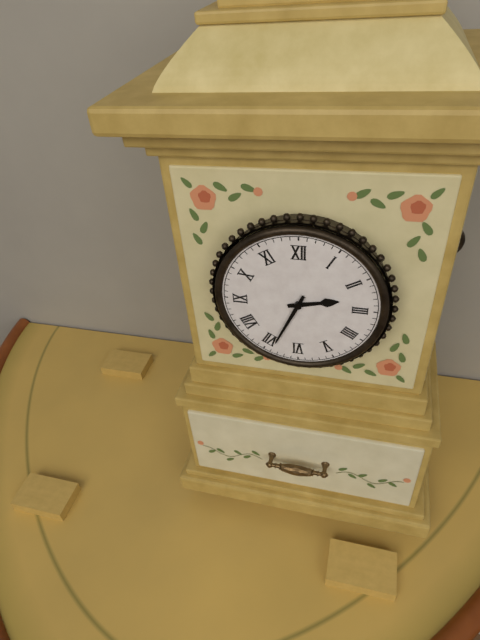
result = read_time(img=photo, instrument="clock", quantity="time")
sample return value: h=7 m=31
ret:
h=2 m=34
